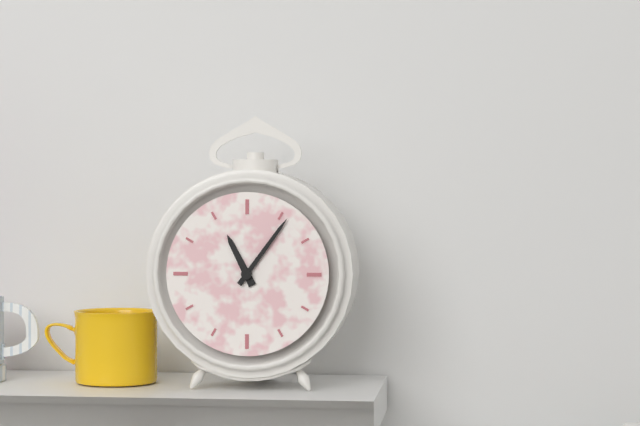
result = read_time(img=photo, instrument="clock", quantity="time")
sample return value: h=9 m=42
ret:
h=11 m=6
